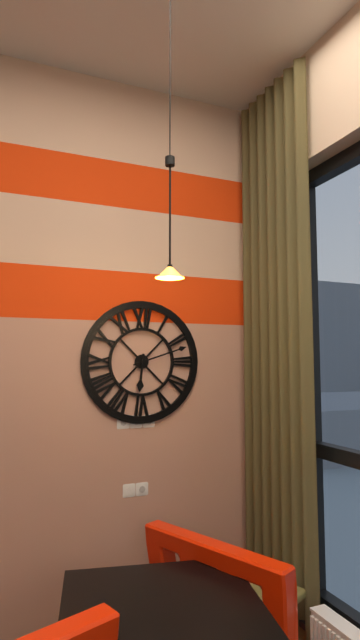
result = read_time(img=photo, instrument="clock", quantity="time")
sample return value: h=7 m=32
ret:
h=6 m=12
